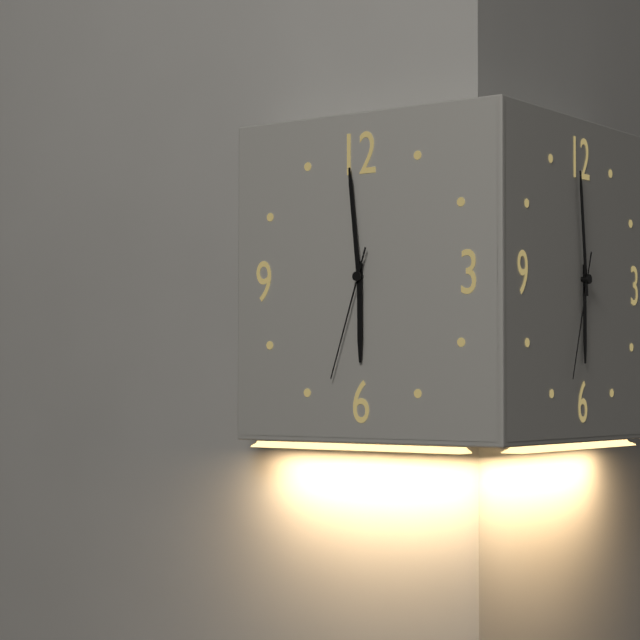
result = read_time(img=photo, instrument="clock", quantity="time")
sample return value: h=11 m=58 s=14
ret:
h=5 m=59 s=33
